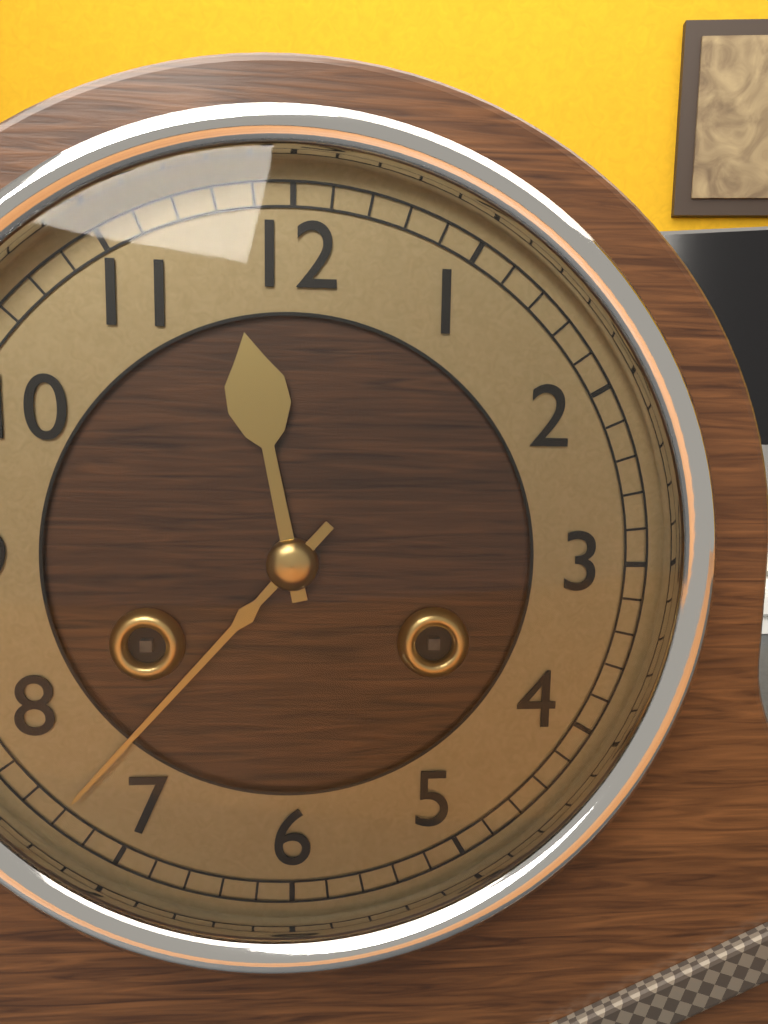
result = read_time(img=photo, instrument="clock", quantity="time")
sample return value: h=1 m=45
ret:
h=11 m=37
